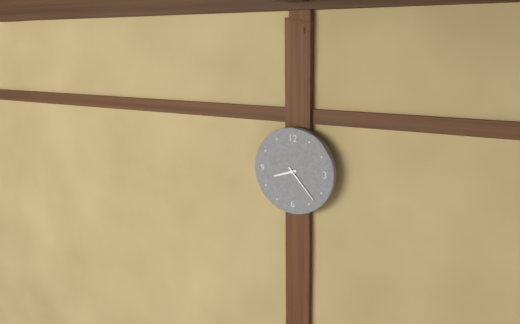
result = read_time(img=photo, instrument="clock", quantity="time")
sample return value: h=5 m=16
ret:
h=8 m=23
